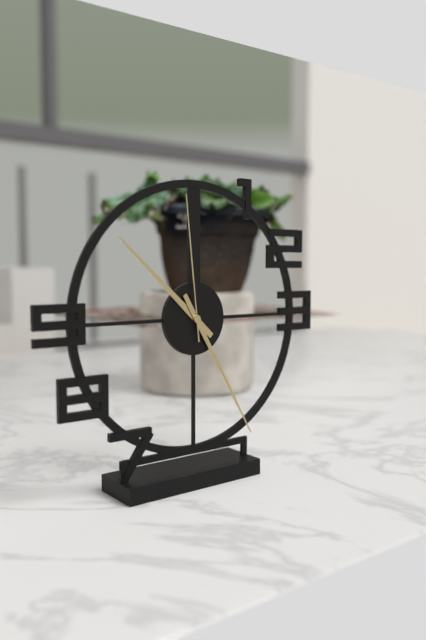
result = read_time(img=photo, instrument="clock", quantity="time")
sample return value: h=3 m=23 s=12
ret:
h=10 m=25 s=59
